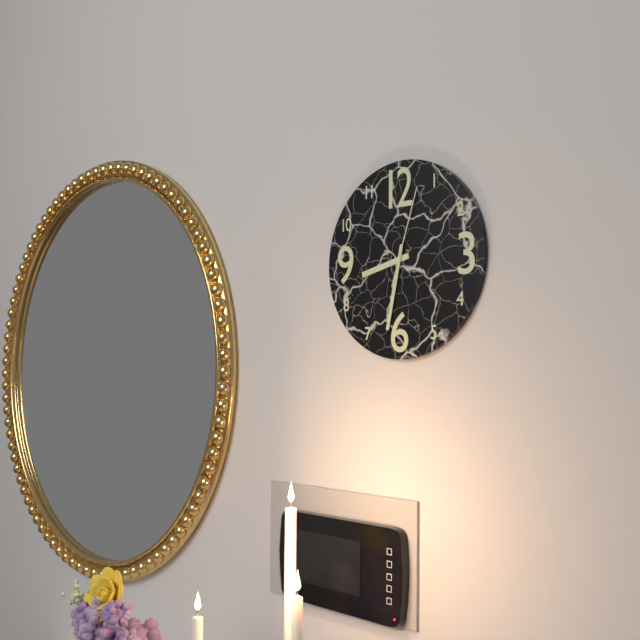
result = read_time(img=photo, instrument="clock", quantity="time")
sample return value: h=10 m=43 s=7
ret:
h=8 m=32 s=3
